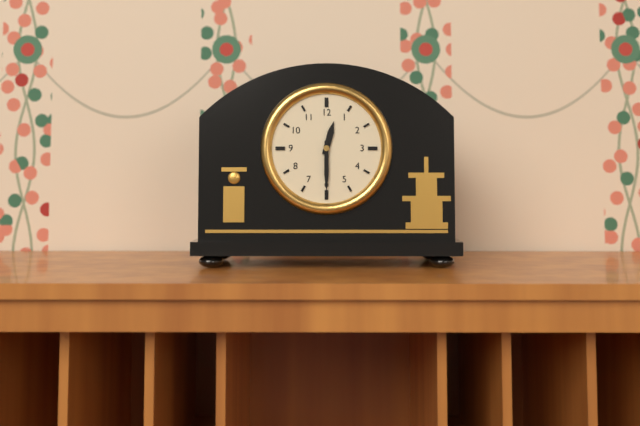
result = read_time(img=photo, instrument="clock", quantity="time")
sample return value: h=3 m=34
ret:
h=12 m=30
